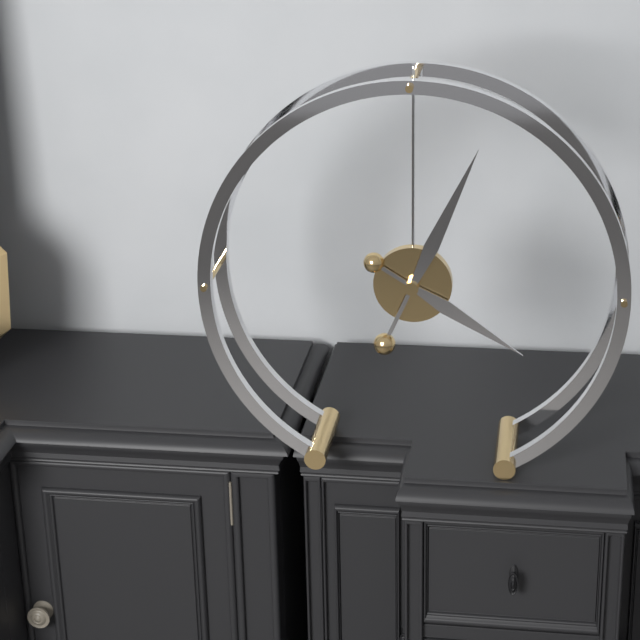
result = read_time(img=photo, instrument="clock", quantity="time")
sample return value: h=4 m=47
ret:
h=4 m=4
